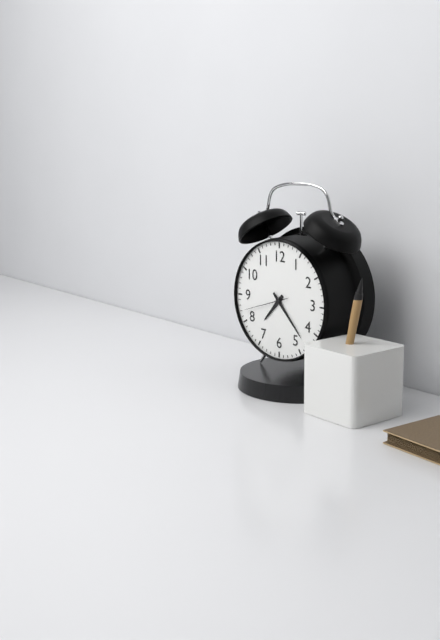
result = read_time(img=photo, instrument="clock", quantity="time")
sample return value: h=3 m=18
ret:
h=7 m=23
